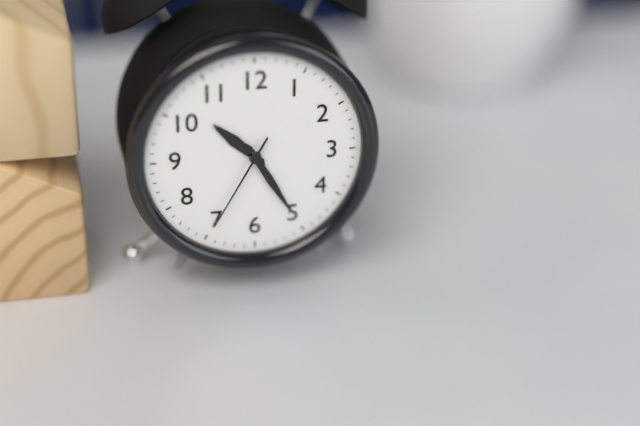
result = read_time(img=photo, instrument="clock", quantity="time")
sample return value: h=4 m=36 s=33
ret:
h=10 m=25 s=35
